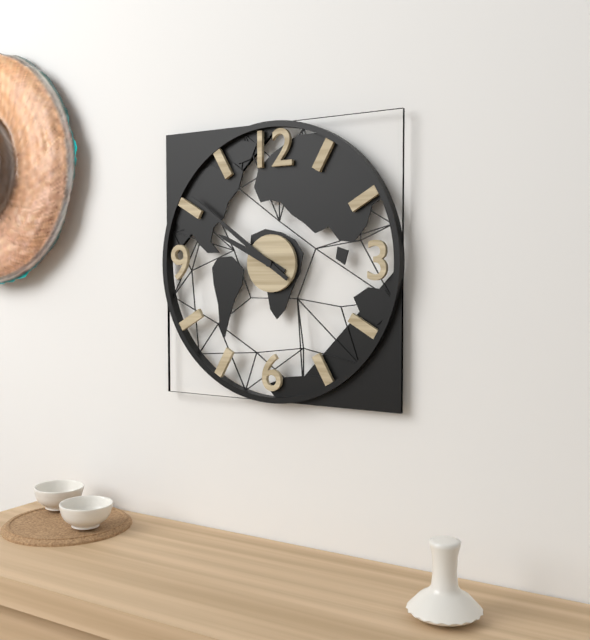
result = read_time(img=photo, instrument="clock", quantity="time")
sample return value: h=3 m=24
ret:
h=9 m=51
